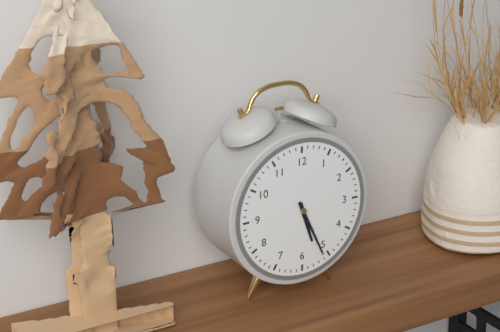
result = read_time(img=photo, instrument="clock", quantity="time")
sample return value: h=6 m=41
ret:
h=5 m=26
